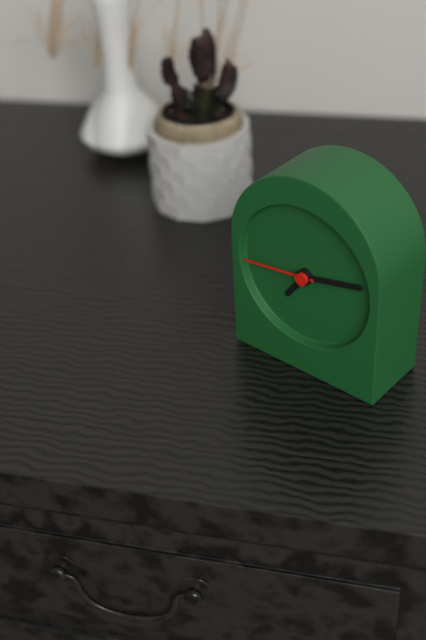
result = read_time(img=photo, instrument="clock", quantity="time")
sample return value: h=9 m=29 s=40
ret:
h=7 m=13 s=44
